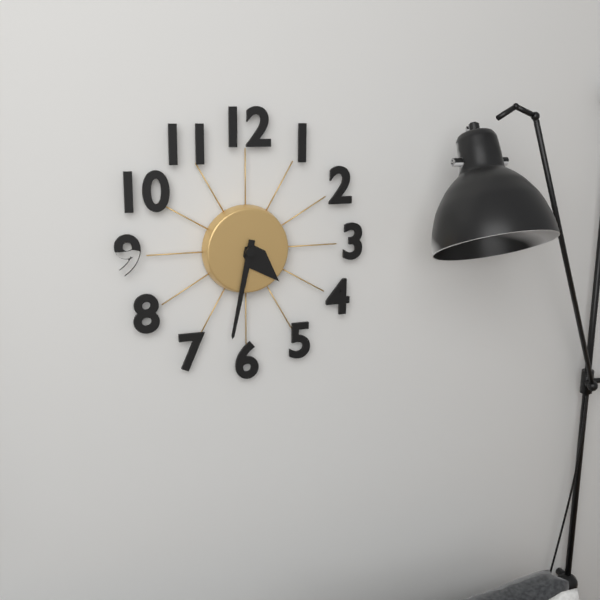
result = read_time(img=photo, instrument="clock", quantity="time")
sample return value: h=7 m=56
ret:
h=4 m=32
